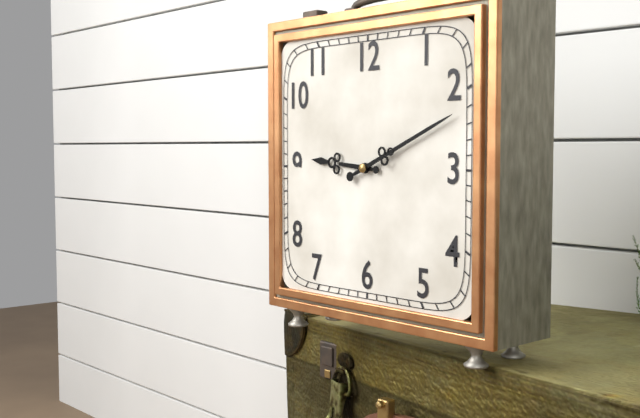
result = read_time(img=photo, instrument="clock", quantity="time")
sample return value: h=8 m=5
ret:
h=9 m=11
